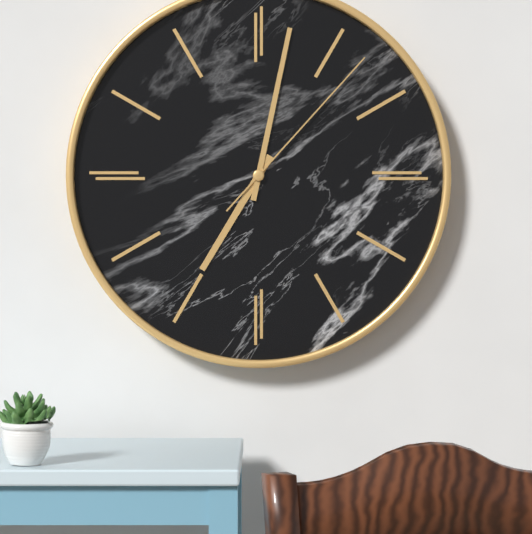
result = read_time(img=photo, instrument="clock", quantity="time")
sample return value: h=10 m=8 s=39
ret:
h=7 m=2 s=7
